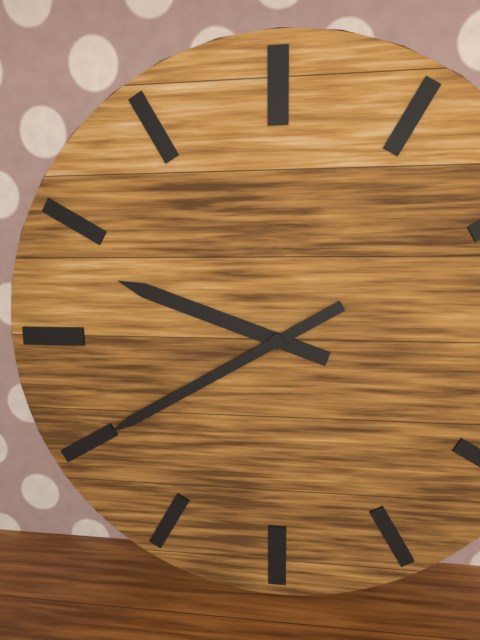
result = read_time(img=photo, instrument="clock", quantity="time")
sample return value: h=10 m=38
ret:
h=9 m=40
